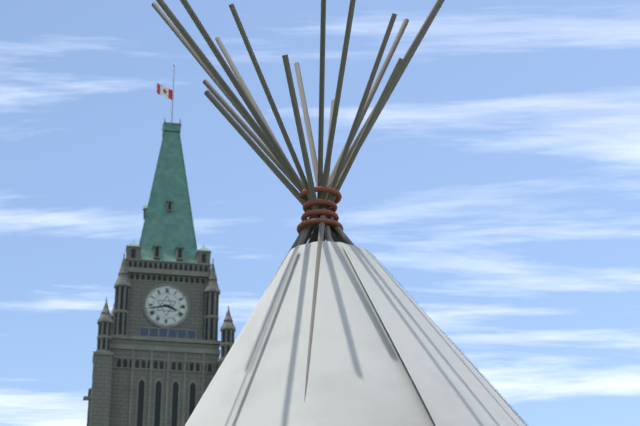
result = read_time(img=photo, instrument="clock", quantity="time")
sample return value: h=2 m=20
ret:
h=3 m=43
